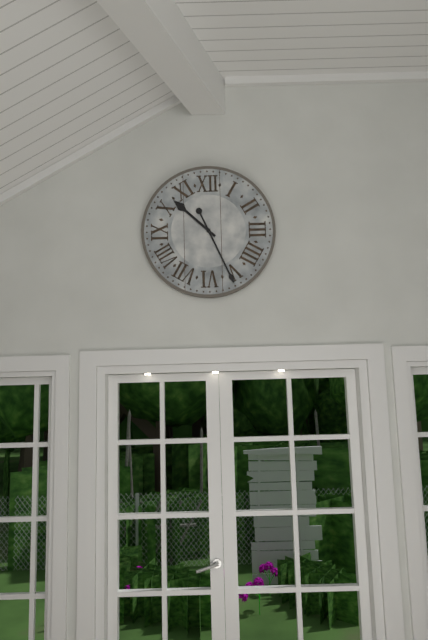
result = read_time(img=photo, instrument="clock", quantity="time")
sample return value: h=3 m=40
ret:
h=10 m=26
